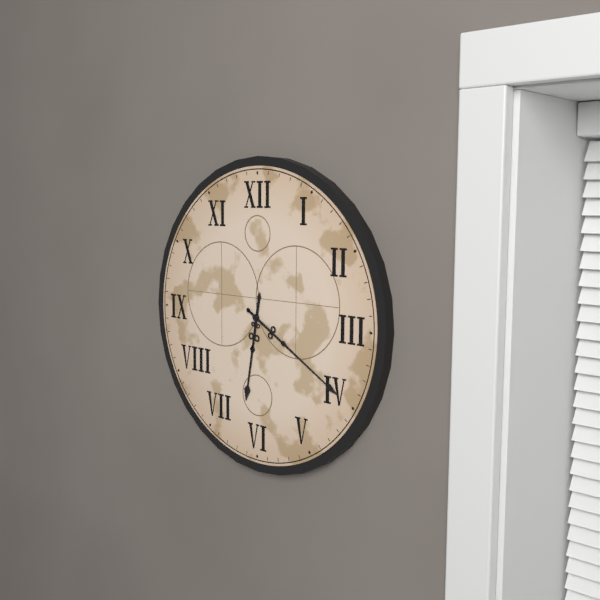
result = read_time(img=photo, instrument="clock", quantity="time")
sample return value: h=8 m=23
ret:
h=6 m=20
